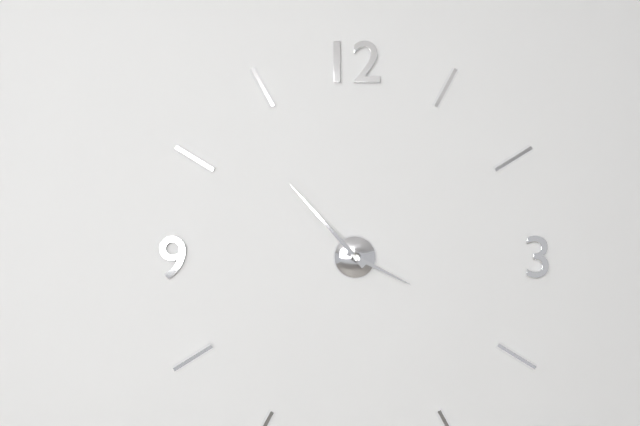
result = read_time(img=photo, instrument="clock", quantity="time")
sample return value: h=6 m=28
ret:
h=3 m=53
